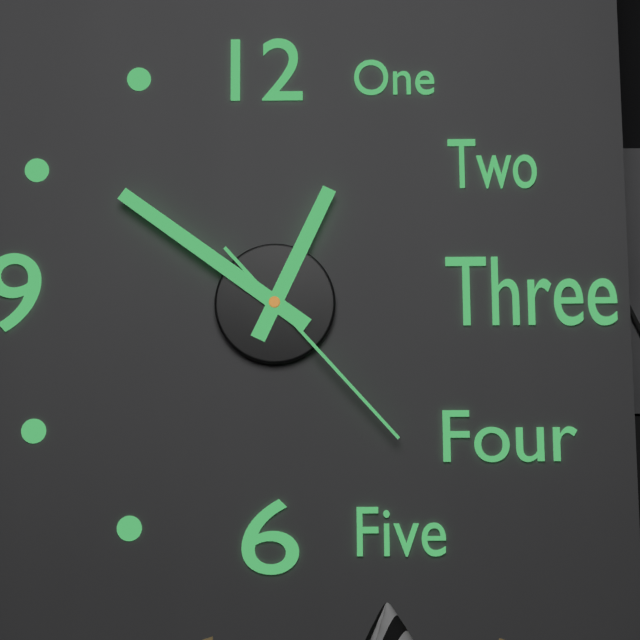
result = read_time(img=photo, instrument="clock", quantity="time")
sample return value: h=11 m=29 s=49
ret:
h=12 m=51 s=23
